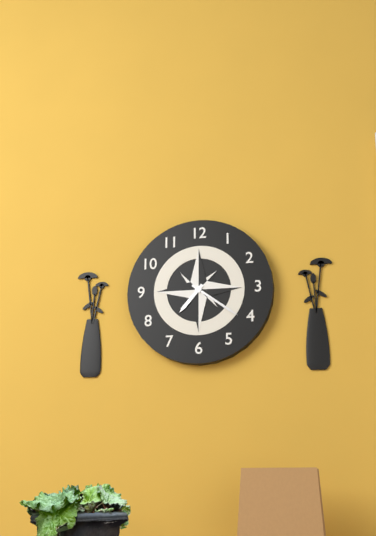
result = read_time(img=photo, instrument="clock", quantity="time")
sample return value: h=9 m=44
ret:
h=7 m=21
